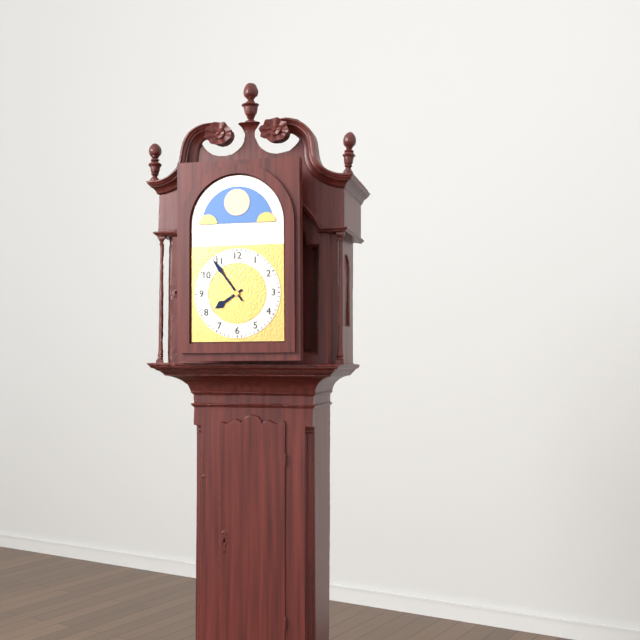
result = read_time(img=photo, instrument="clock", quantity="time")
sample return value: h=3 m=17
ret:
h=7 m=54
